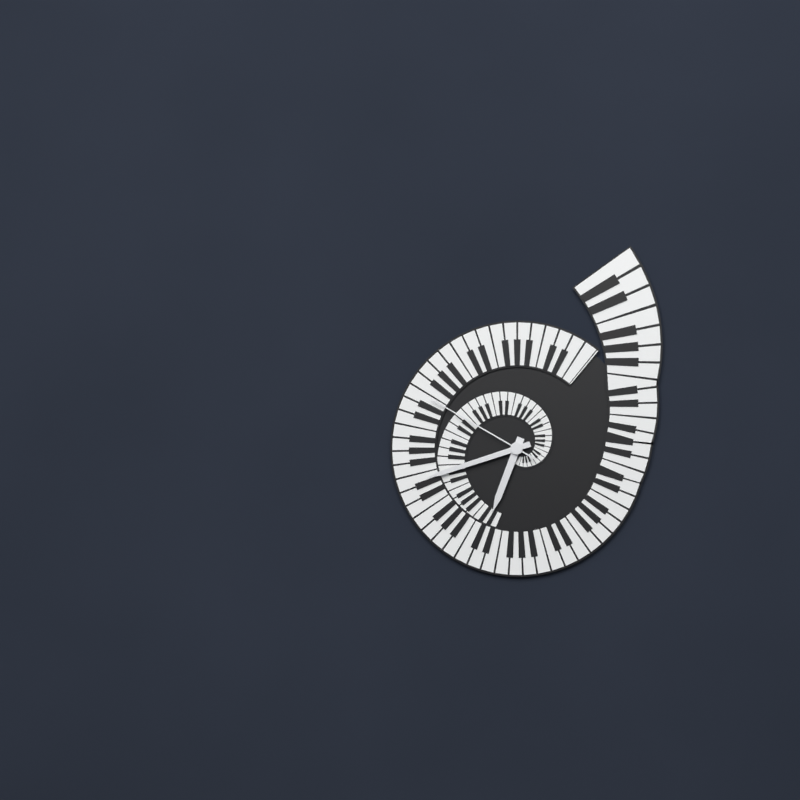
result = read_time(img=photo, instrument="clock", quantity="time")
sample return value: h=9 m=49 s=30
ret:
h=6 m=42 s=50
